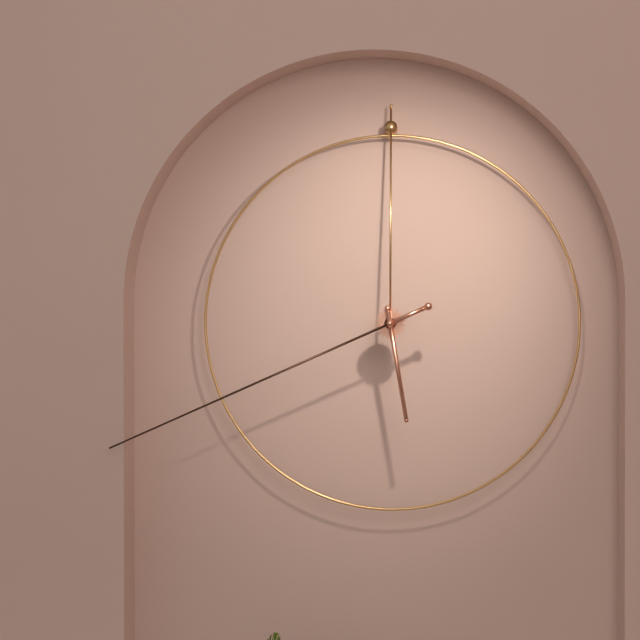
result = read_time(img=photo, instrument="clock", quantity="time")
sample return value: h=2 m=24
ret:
h=5 m=41
